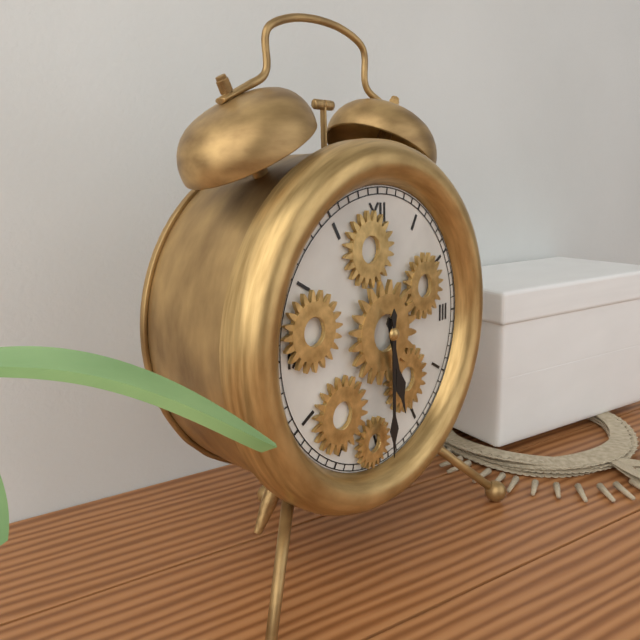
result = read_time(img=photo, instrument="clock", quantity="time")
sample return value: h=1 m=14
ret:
h=5 m=30
